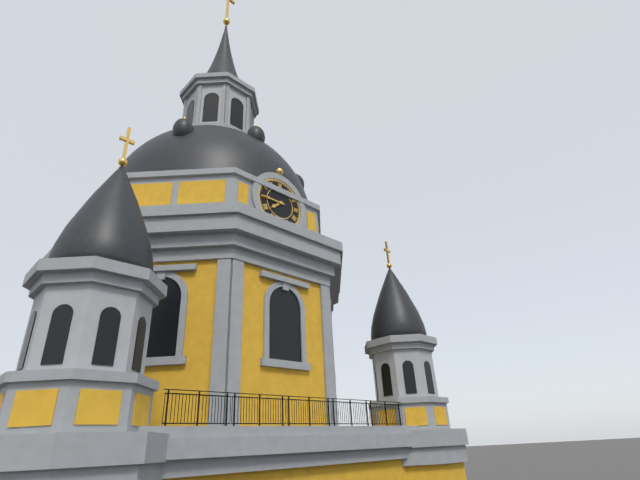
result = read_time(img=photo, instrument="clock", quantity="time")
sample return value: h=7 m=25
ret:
h=7 m=45
